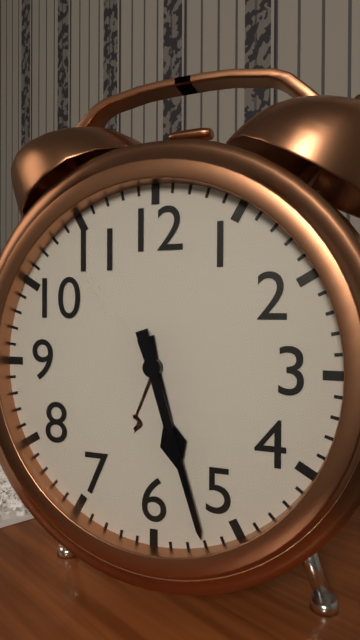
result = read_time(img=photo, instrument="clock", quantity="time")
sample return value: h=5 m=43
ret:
h=5 m=27
